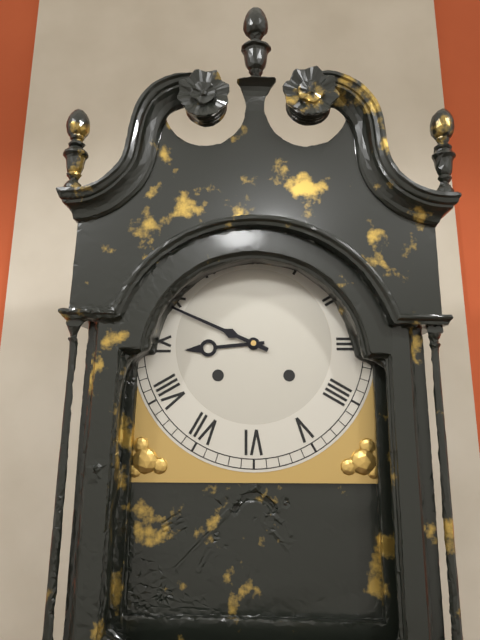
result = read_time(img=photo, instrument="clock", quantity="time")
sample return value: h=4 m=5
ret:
h=8 m=49
